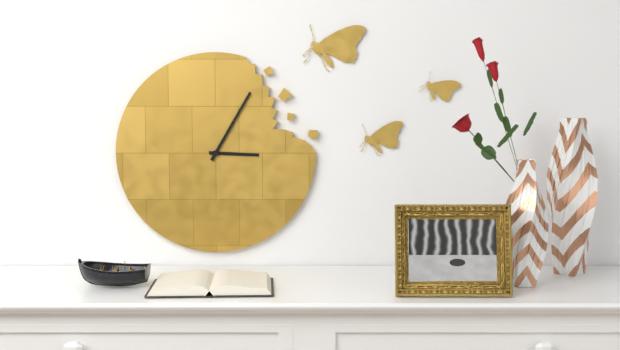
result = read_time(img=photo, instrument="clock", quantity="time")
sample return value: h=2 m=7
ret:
h=3 m=5
